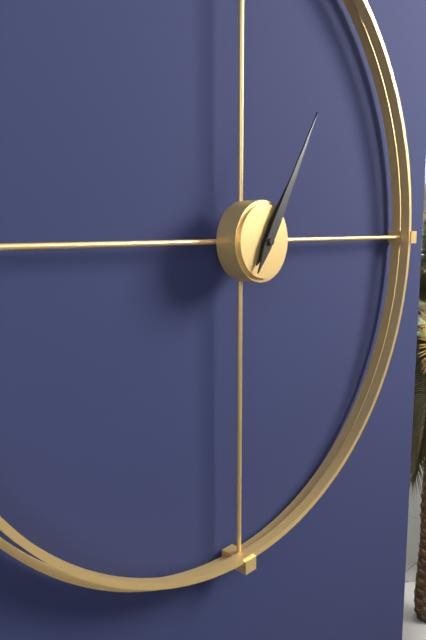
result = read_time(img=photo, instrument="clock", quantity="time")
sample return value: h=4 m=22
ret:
h=1 m=5
